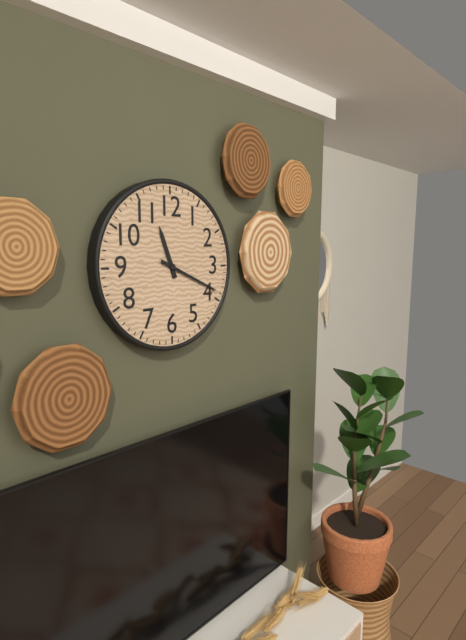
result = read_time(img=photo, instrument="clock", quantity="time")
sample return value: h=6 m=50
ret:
h=11 m=19
